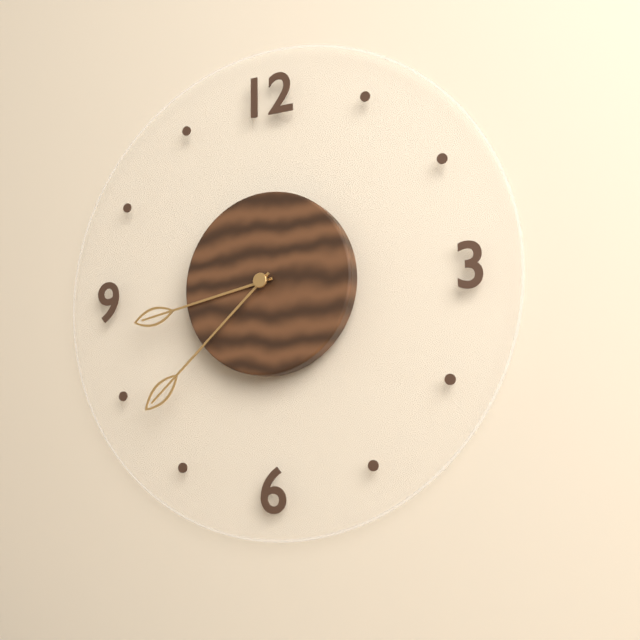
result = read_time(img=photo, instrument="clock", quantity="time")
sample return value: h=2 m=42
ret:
h=8 m=38
